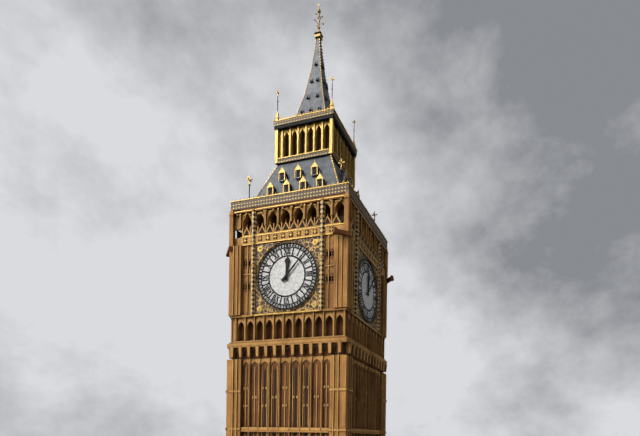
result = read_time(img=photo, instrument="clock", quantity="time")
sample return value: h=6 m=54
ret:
h=12 m=7
